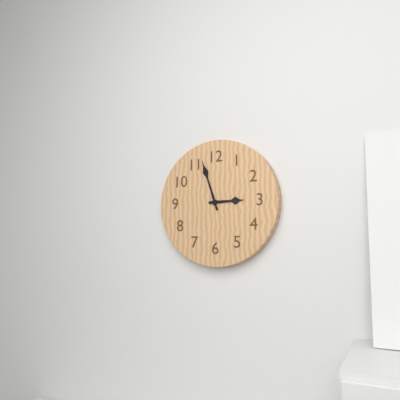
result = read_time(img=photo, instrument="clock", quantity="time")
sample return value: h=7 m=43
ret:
h=2 m=57
